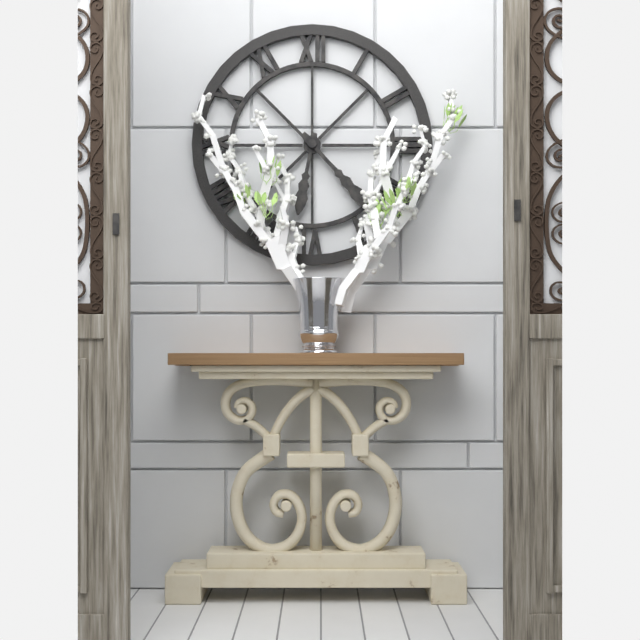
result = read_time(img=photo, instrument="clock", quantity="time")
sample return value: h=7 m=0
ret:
h=6 m=23
